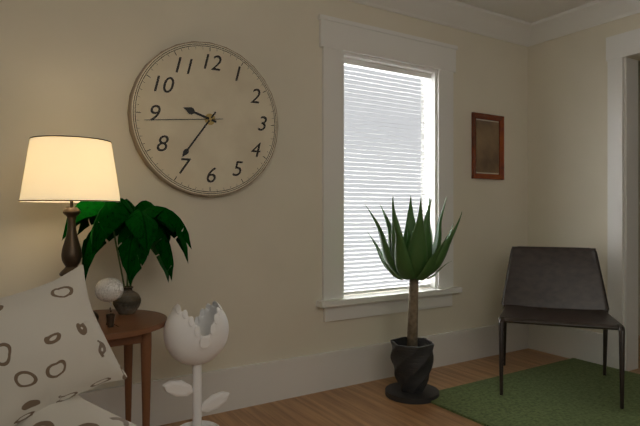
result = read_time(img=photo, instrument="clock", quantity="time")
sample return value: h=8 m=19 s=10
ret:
h=9 m=36 s=44
